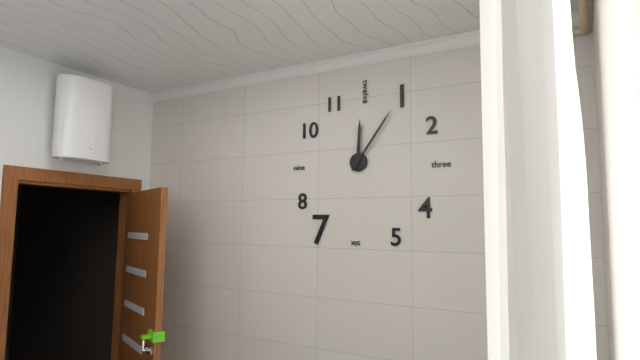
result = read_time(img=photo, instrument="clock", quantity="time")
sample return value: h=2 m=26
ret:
h=12 m=6
